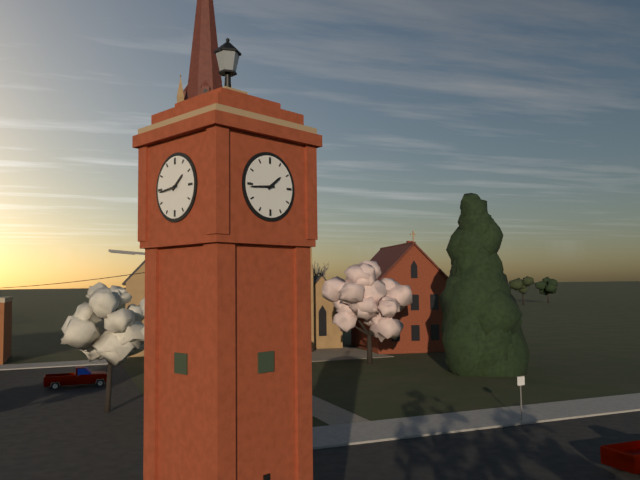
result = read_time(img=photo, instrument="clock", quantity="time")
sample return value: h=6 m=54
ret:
h=1 m=44
